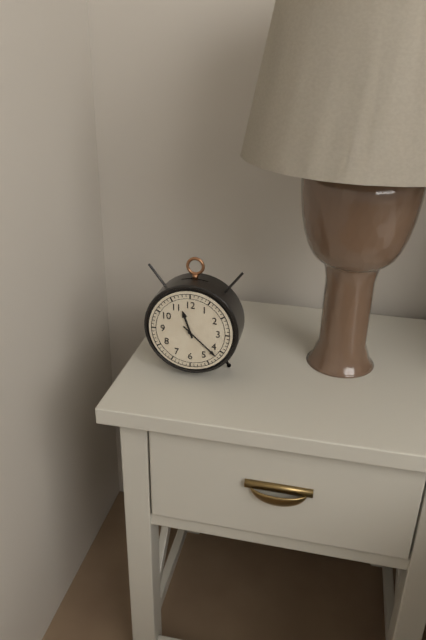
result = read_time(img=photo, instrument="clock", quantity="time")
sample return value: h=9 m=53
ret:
h=11 m=22
